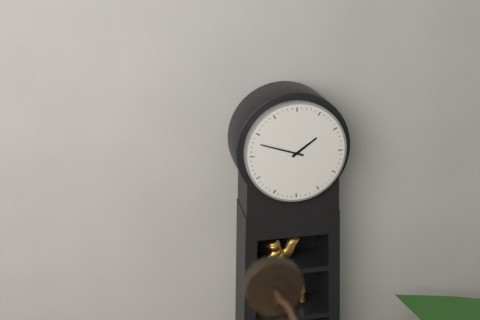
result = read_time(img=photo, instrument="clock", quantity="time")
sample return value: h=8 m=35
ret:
h=1 m=48
